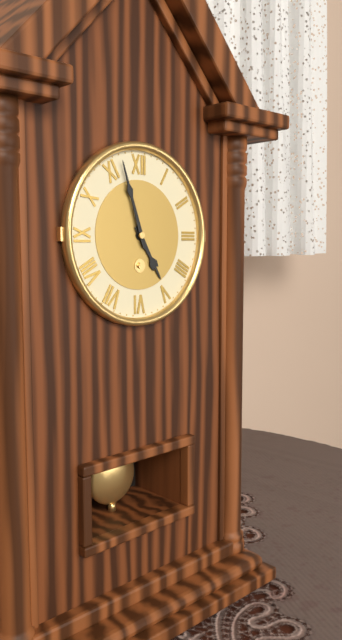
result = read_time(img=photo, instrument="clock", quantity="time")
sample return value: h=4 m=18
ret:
h=4 m=57
